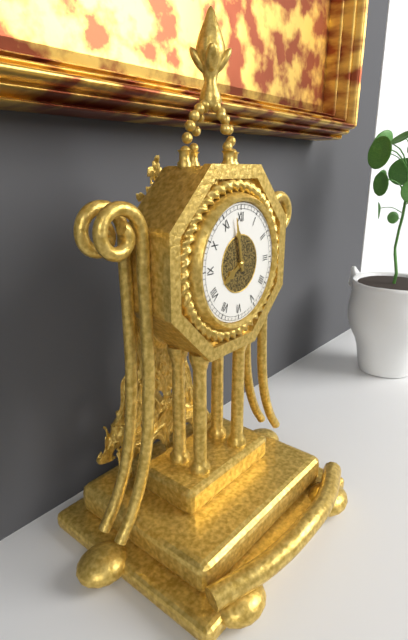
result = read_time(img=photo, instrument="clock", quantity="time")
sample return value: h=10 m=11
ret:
h=7 m=58
